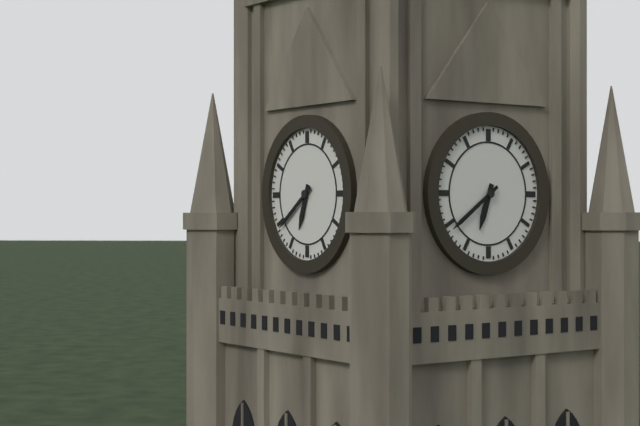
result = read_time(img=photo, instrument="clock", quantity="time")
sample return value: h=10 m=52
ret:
h=6 m=39
